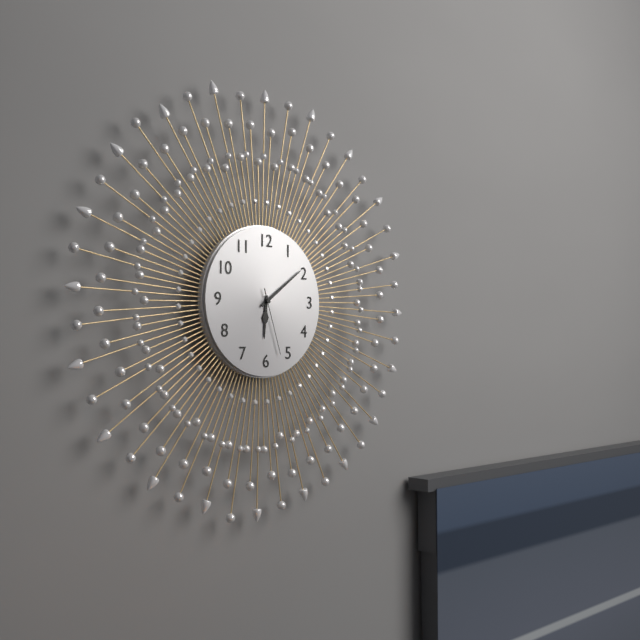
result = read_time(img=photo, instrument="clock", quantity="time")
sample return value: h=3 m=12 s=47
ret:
h=6 m=9 s=27
